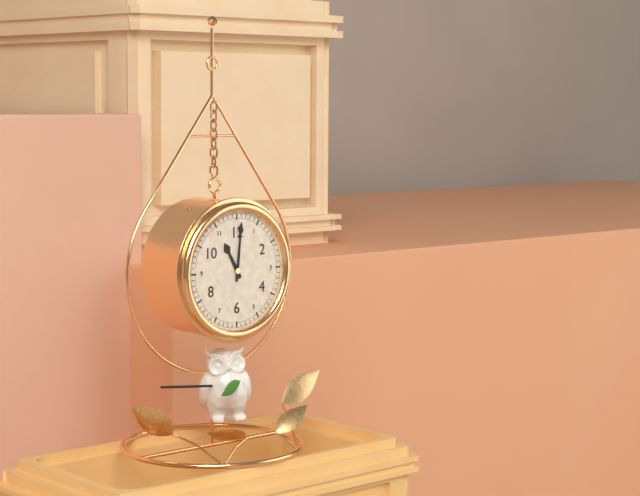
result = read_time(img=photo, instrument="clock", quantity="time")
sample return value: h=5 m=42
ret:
h=11 m=1
